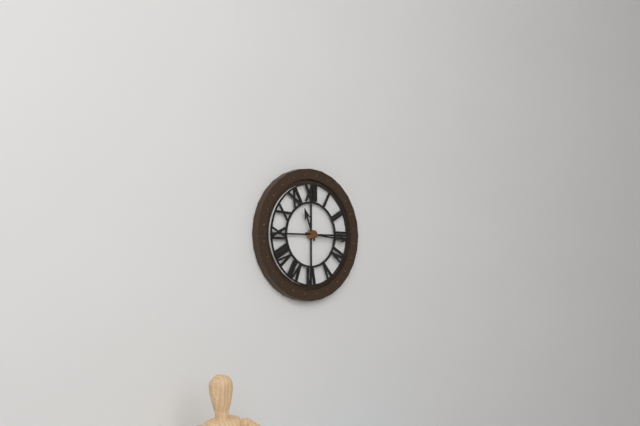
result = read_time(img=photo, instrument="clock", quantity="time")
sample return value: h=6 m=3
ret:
h=11 m=16
